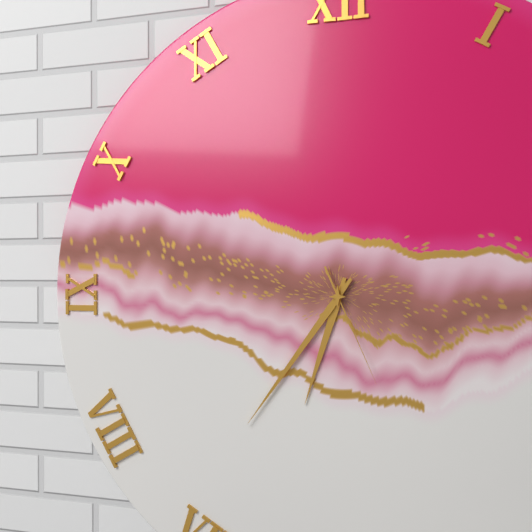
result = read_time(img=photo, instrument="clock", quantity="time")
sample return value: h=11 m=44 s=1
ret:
h=6 m=36 s=26
